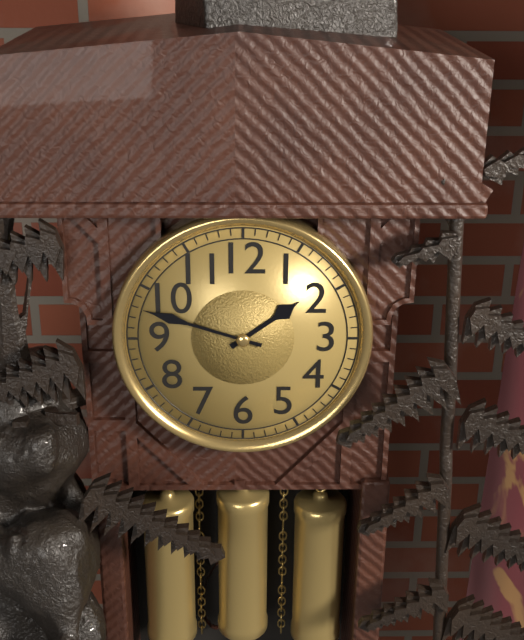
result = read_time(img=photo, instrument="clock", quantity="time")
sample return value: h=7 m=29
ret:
h=1 m=48
